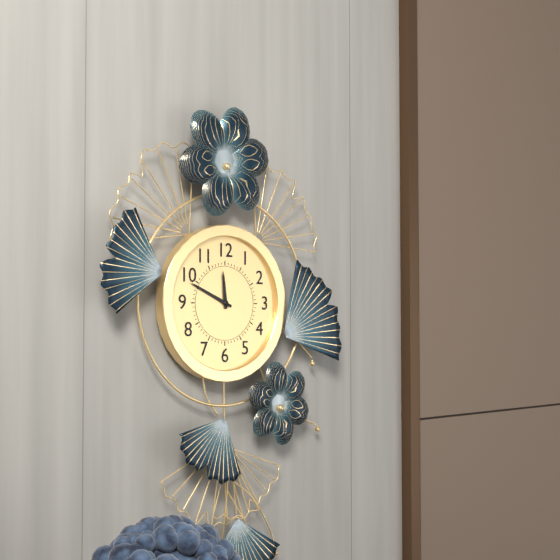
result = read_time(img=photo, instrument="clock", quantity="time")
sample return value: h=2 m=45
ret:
h=11 m=49
